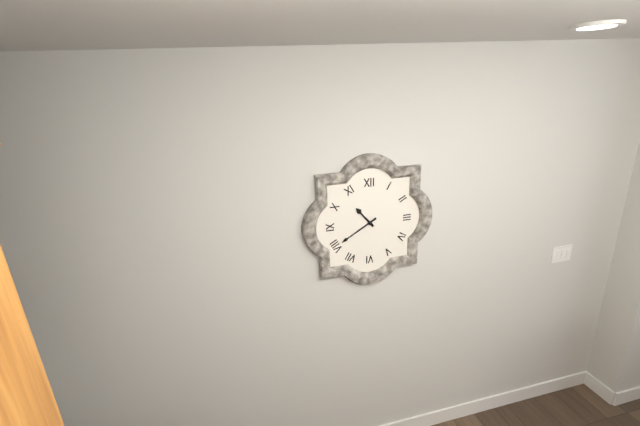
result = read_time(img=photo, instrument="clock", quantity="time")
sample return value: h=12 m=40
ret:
h=10 m=40
